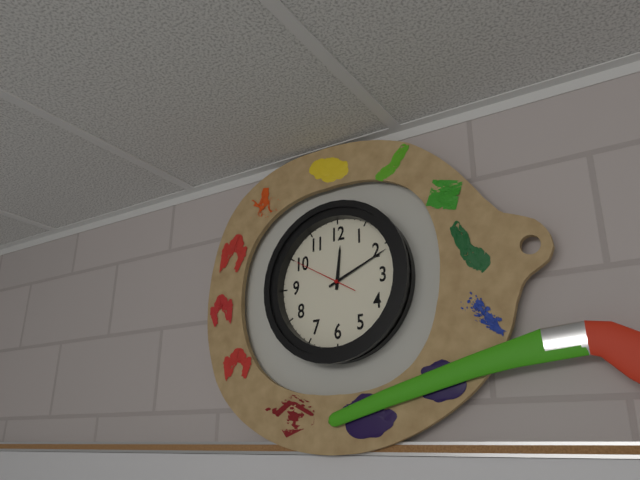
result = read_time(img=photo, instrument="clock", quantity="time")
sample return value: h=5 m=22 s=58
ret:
h=12 m=11 s=50
